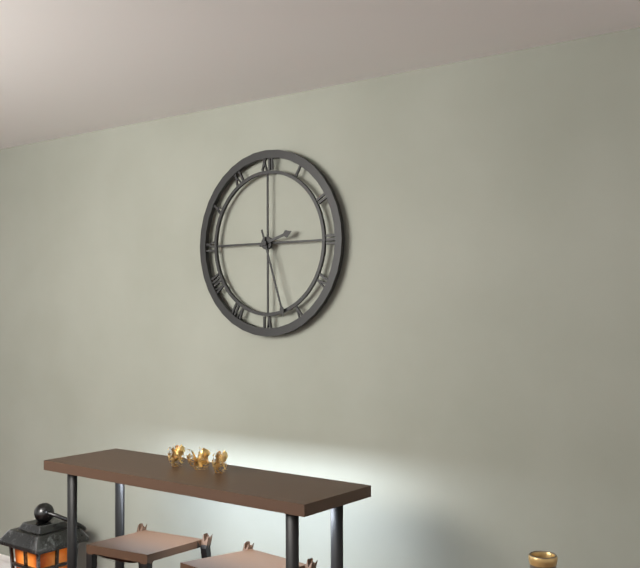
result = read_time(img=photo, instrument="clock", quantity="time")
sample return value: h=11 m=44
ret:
h=2 m=27
